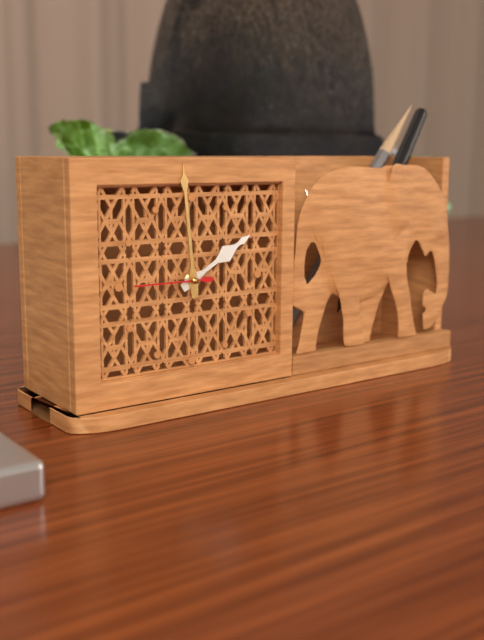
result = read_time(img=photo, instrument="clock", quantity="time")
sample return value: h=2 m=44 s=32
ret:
h=1 m=59 s=45
